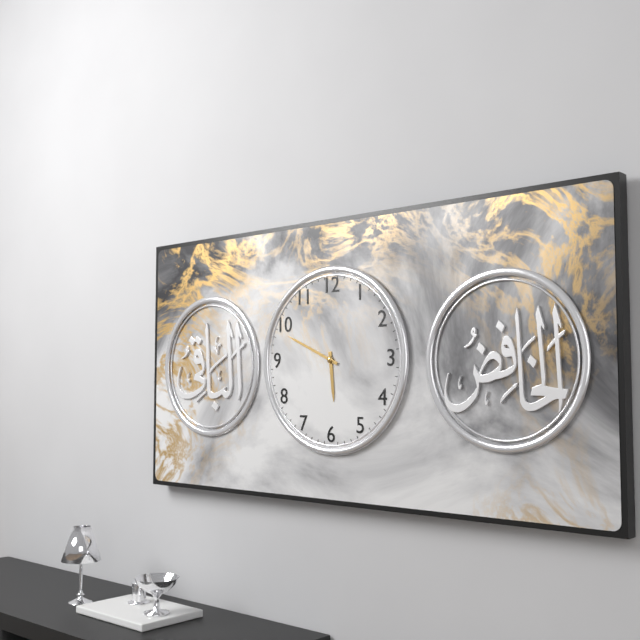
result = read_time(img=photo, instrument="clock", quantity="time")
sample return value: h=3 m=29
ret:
h=5 m=49
